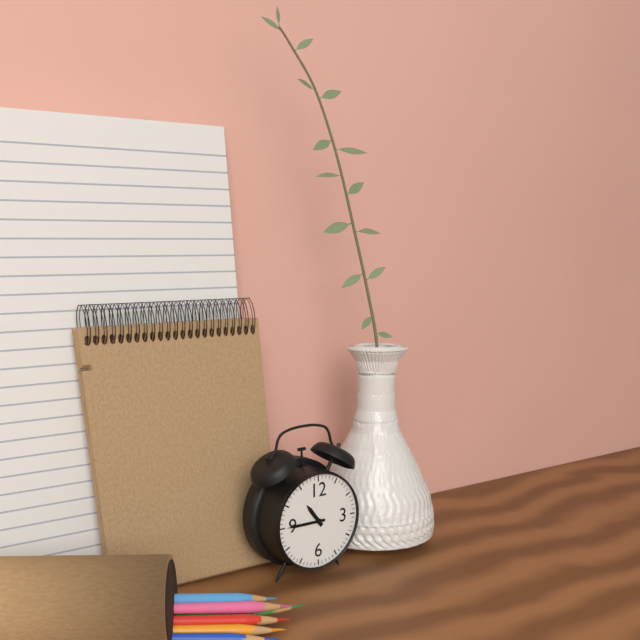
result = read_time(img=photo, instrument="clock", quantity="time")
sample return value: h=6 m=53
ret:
h=10 m=45
